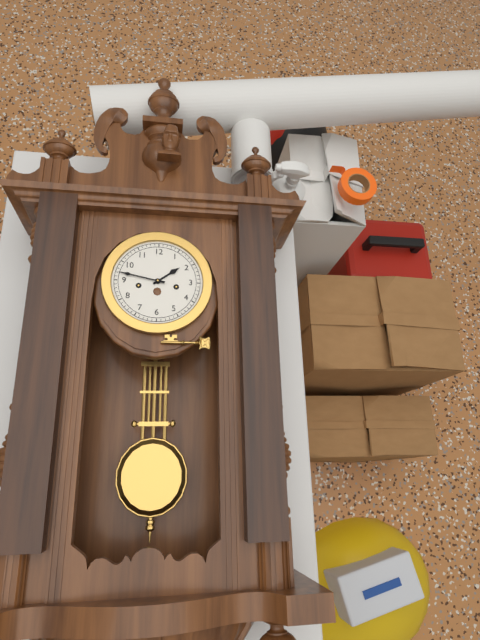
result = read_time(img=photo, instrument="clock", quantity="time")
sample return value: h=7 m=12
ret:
h=1 m=47
